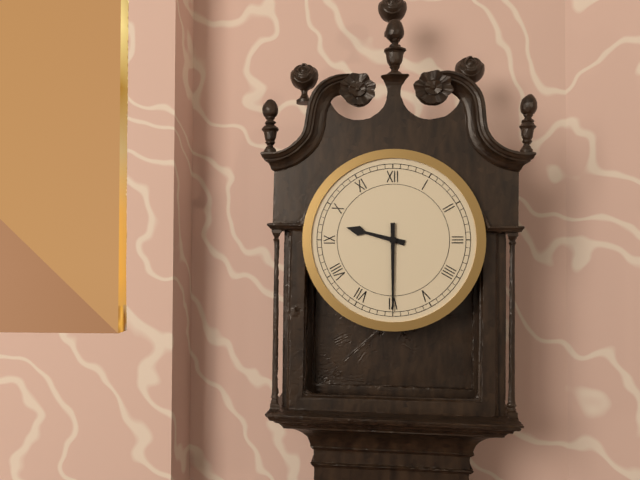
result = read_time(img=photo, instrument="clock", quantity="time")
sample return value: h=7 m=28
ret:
h=9 m=30
